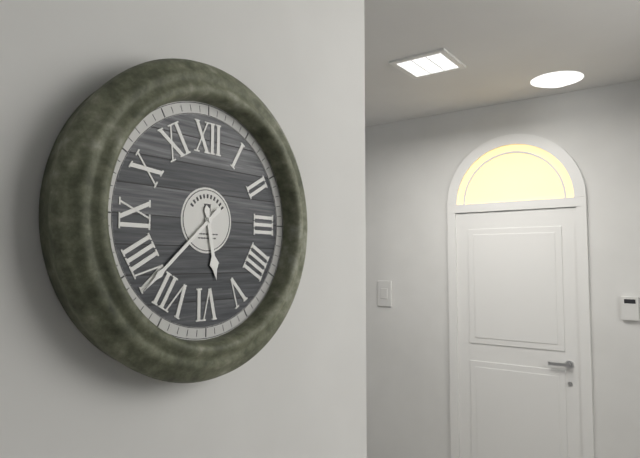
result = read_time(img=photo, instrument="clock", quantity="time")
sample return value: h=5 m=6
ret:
h=5 m=38
